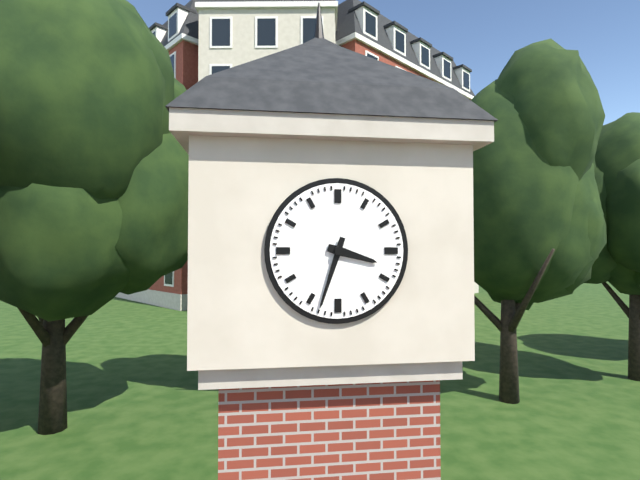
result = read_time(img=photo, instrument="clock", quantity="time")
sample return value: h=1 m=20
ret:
h=3 m=33
